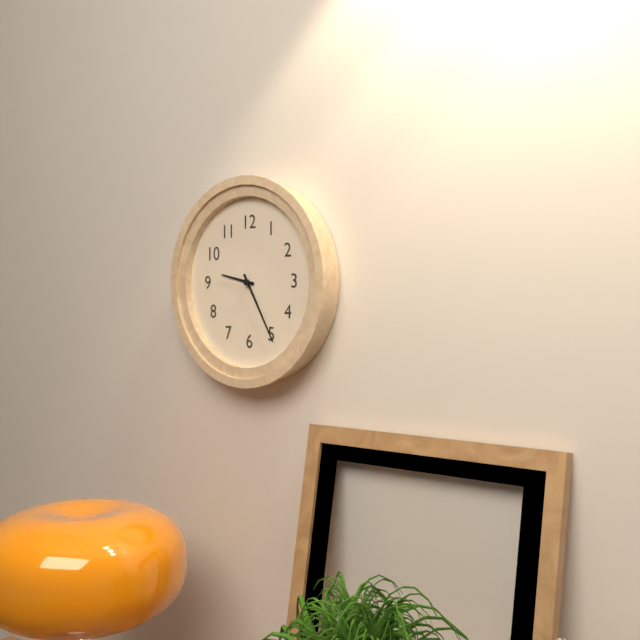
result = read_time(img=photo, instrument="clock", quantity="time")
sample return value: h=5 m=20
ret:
h=9 m=25
